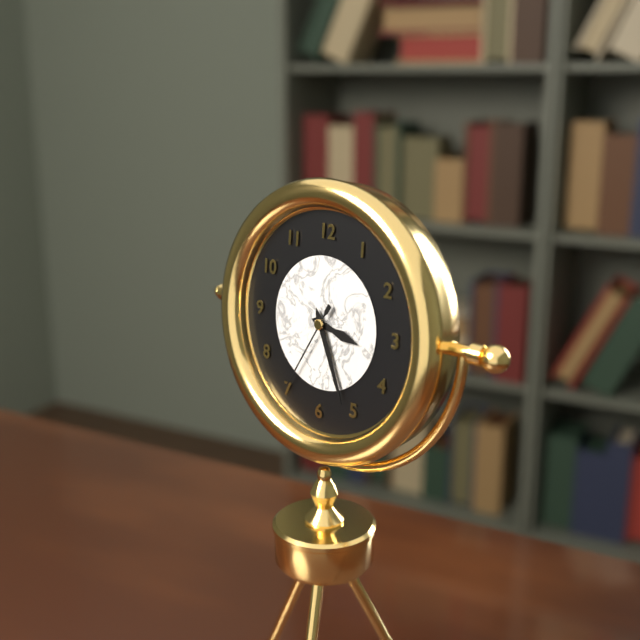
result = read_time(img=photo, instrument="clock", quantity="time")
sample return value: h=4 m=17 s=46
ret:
h=3 m=26 s=35
